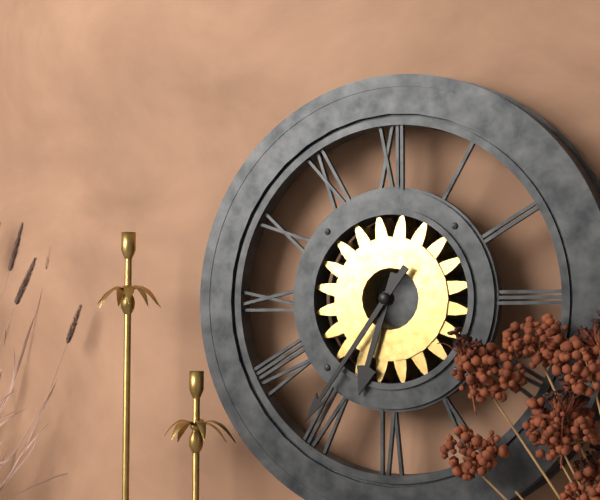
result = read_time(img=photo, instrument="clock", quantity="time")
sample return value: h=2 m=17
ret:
h=6 m=36
